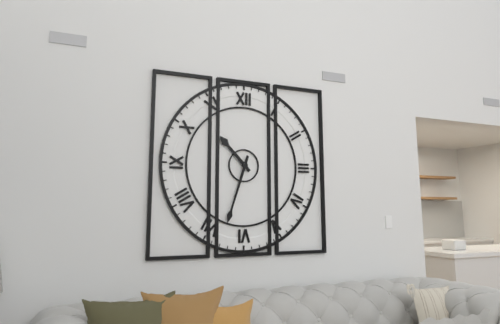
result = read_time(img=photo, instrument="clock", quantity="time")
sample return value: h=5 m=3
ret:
h=10 m=33
